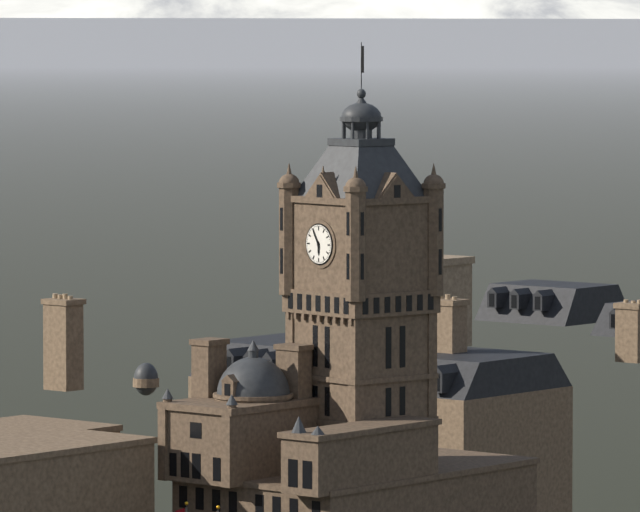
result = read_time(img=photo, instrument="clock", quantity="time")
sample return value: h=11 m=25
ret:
h=5 m=55
